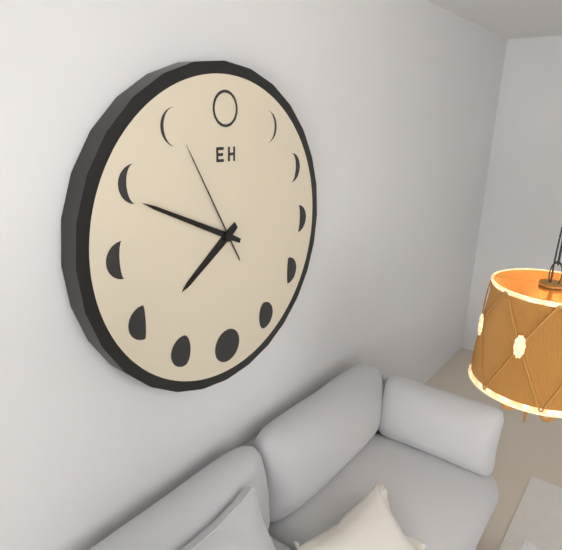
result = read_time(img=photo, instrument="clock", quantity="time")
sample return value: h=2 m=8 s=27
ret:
h=7 m=49 s=55
